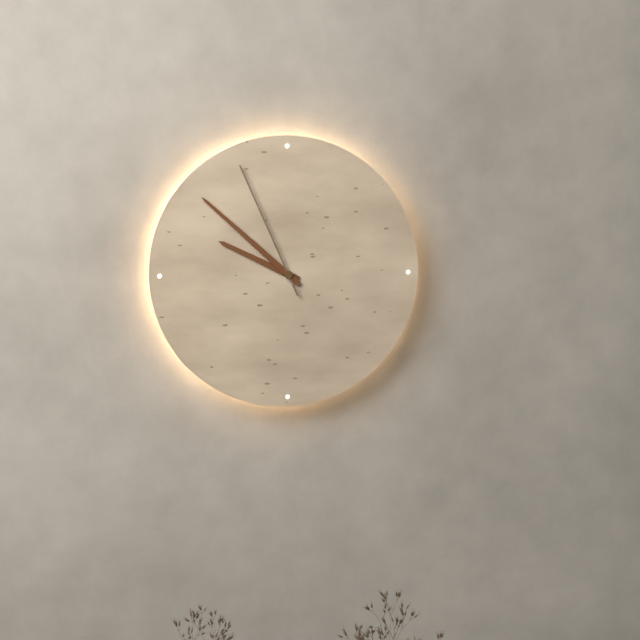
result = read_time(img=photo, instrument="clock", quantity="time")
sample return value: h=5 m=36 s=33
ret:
h=9 m=52 s=56
